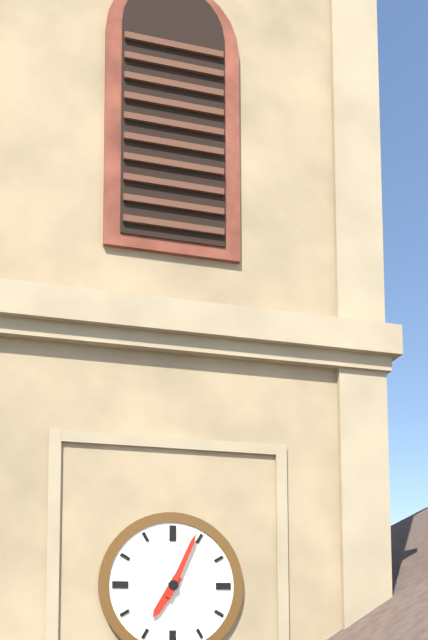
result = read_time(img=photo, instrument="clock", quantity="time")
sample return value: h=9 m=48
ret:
h=7 m=4
